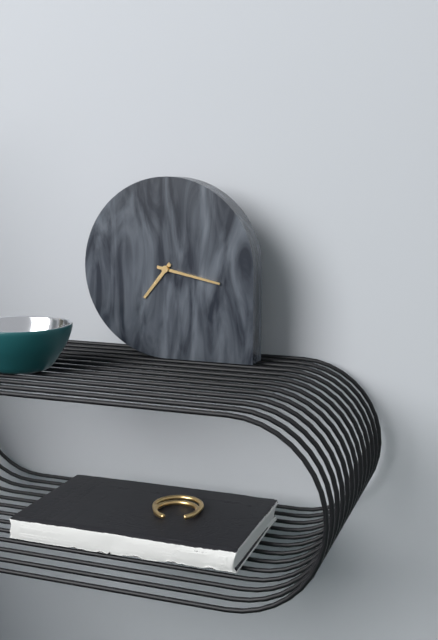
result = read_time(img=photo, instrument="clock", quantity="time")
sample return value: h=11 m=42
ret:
h=7 m=17
